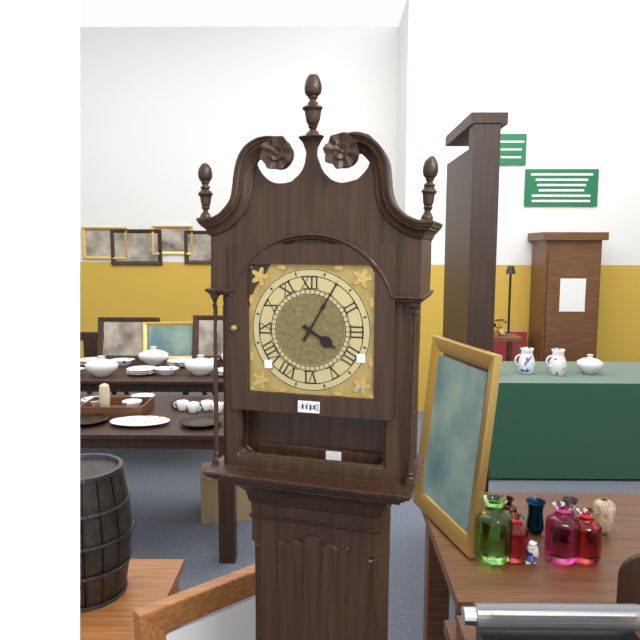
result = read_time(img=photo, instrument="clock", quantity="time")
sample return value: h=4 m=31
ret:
h=4 m=5
